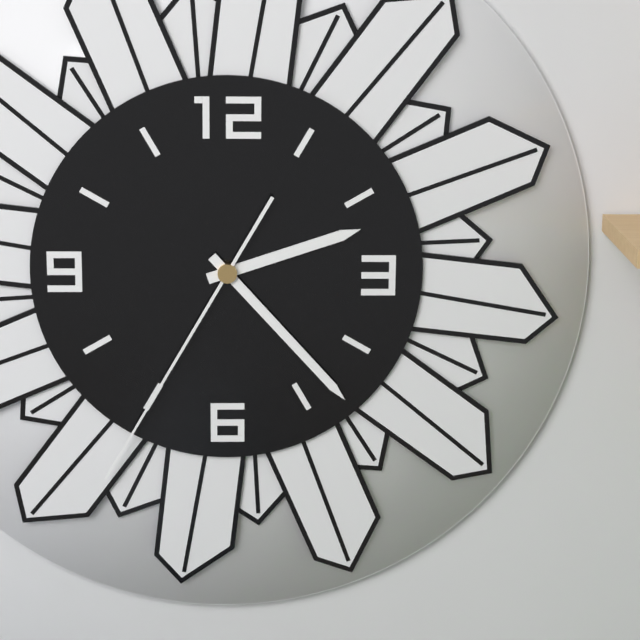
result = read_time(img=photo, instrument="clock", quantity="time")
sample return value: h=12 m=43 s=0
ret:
h=2 m=23 s=35
